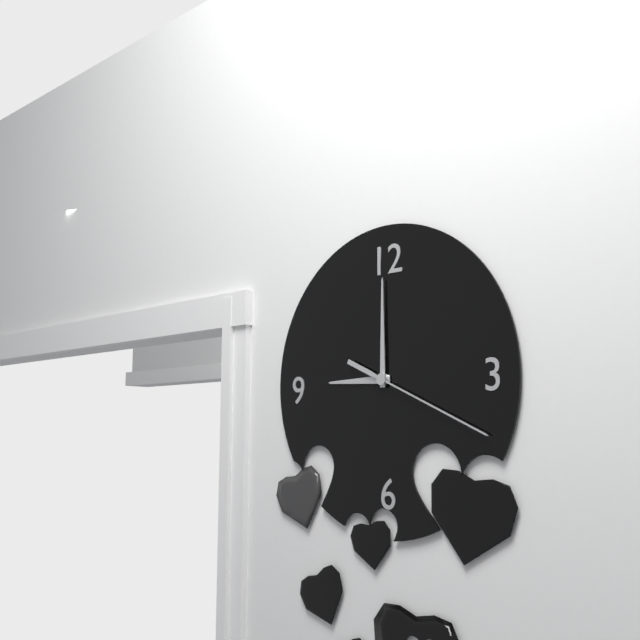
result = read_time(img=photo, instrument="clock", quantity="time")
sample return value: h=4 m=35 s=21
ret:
h=9 m=0 s=19
